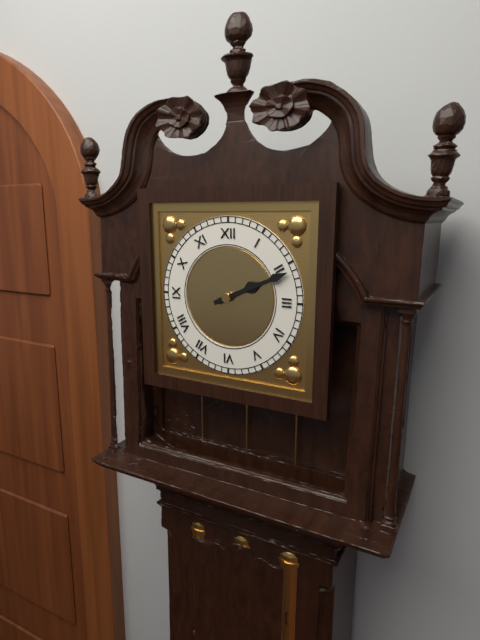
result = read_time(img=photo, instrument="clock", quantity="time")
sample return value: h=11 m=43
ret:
h=2 m=11
